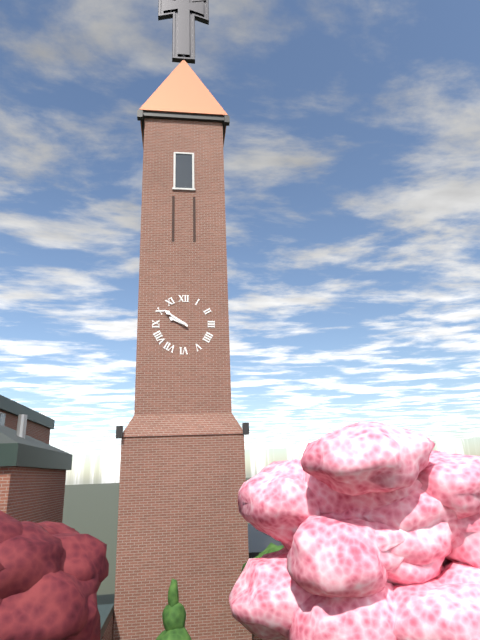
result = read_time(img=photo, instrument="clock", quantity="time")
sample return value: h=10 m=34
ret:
h=9 m=51
